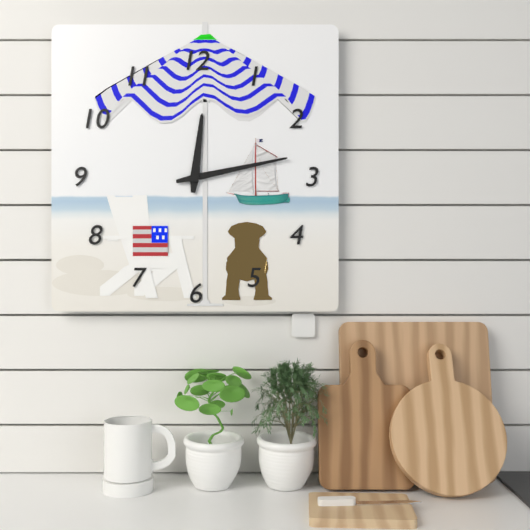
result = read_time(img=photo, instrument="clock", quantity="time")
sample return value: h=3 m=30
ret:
h=12 m=13
